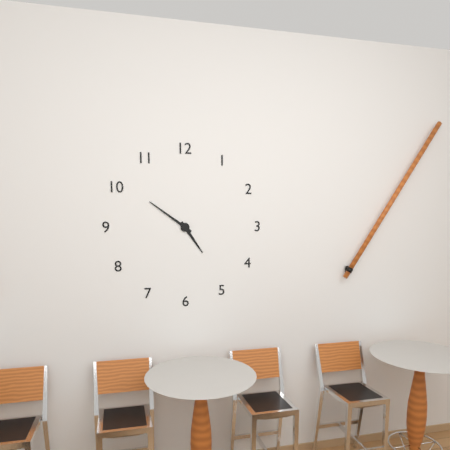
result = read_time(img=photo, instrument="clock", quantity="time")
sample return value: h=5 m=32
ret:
h=4 m=51
